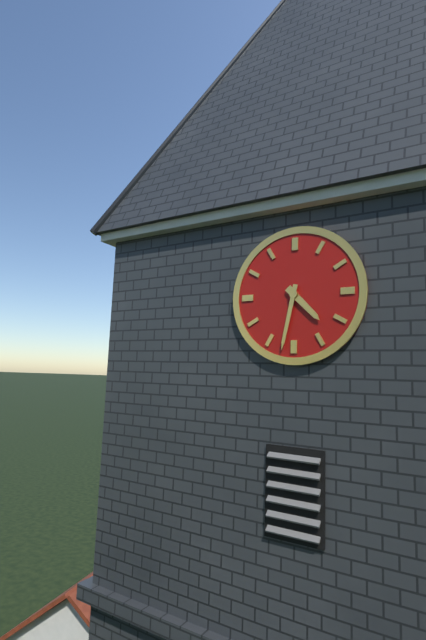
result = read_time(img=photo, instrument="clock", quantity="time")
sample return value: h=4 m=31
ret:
h=4 m=32
